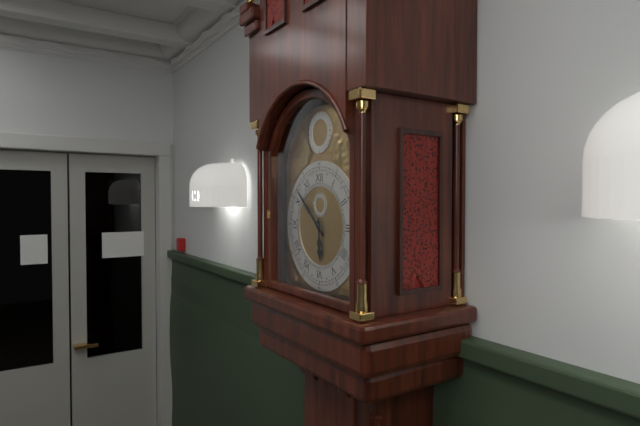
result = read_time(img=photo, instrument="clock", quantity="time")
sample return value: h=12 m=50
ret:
h=5 m=52
